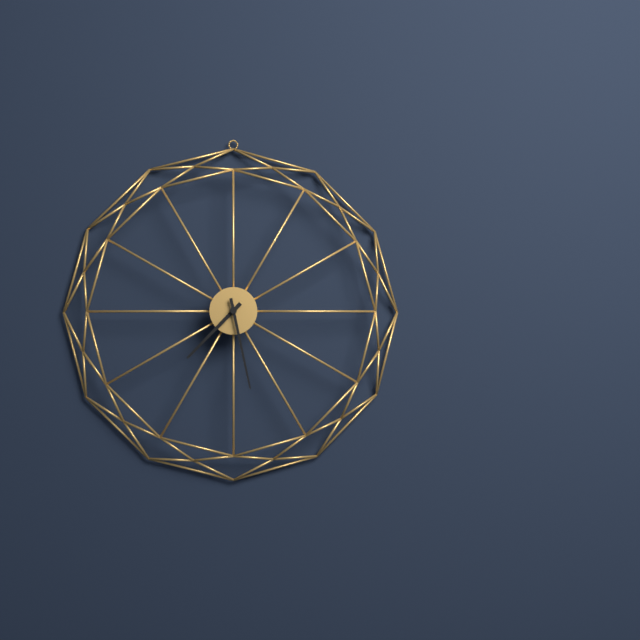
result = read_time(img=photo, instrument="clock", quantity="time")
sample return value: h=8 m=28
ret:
h=7 m=28
